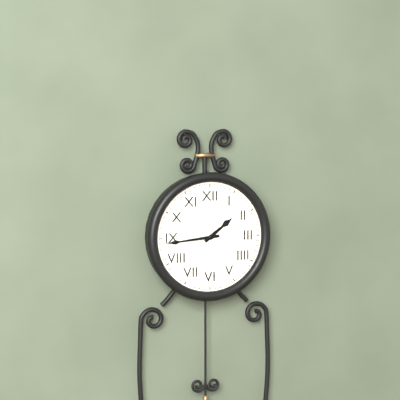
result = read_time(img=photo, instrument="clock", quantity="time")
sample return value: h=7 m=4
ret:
h=1 m=44
